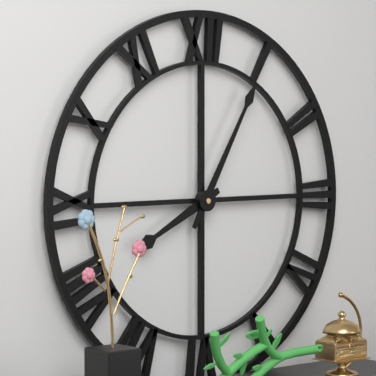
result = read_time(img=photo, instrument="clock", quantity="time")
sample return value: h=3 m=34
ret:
h=8 m=5
